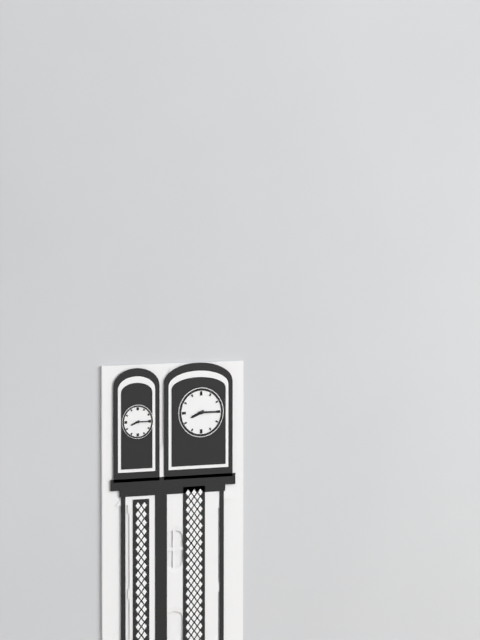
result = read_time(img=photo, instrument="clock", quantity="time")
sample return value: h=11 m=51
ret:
h=8 m=15
